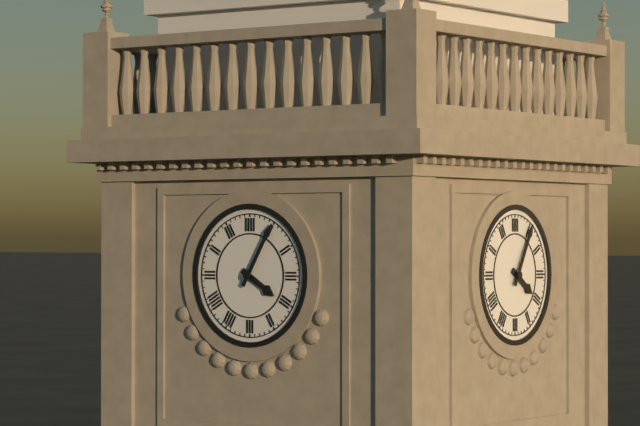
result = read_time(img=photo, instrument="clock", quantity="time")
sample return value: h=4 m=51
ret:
h=4 m=5
